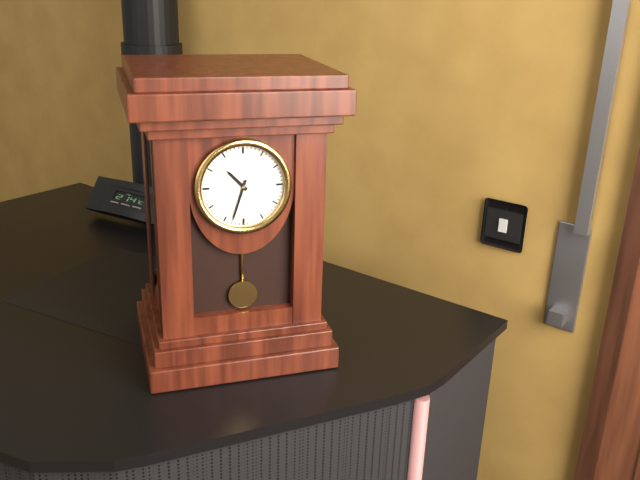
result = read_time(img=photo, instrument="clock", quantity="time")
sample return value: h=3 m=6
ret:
h=10 m=33
